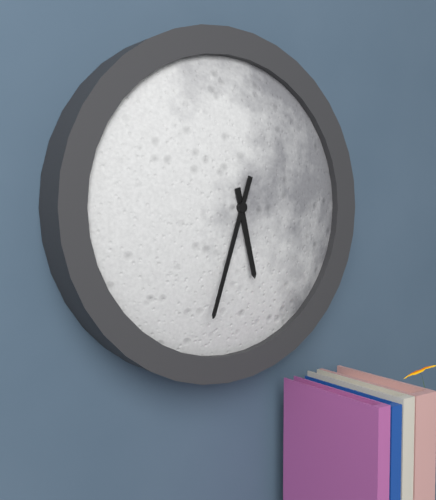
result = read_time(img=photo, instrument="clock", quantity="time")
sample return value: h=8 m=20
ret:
h=5 m=33
